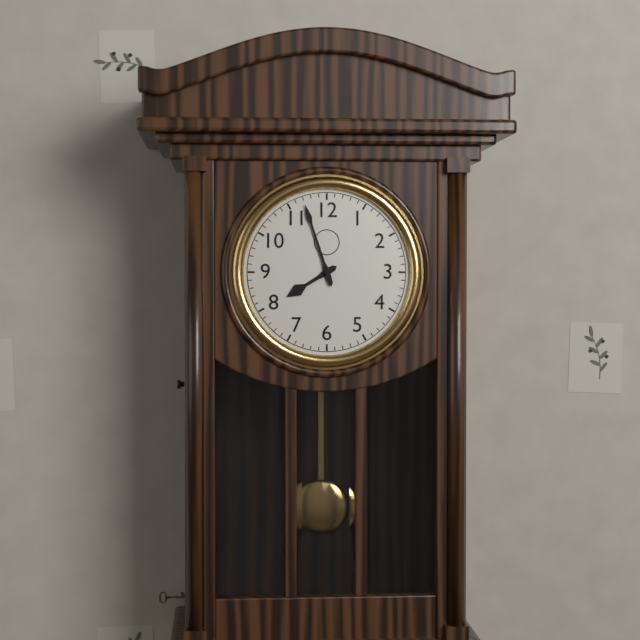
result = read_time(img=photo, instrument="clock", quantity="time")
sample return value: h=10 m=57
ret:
h=7 m=57
